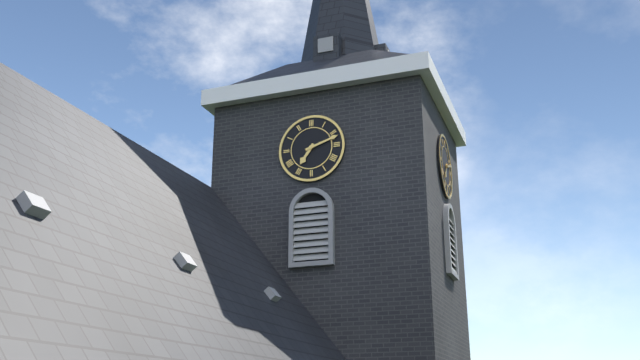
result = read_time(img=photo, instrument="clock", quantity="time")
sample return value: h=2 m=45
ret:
h=7 m=12
